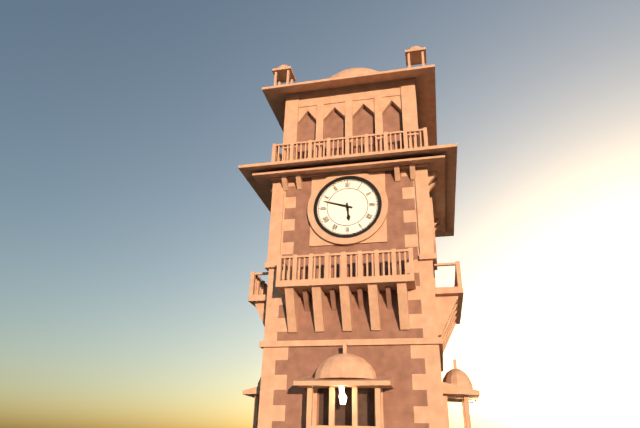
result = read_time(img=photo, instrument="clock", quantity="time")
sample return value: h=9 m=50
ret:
h=5 m=48
